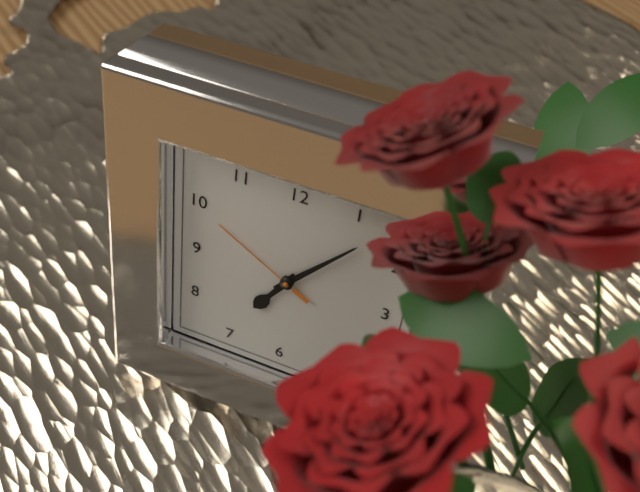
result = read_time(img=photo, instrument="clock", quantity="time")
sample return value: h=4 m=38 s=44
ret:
h=7 m=7 s=50
